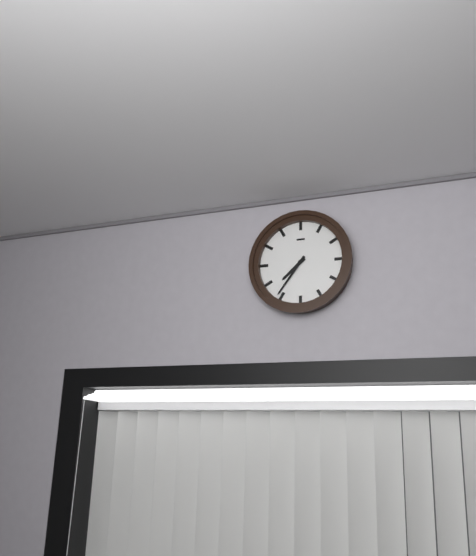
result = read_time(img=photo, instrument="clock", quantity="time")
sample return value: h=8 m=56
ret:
h=7 m=36
